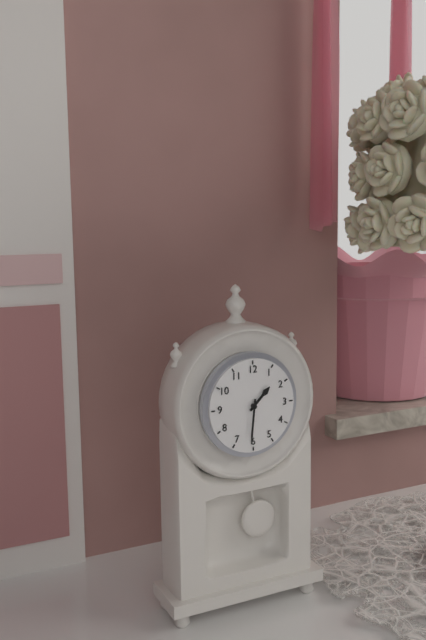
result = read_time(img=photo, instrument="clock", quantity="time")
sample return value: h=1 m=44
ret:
h=1 m=31
